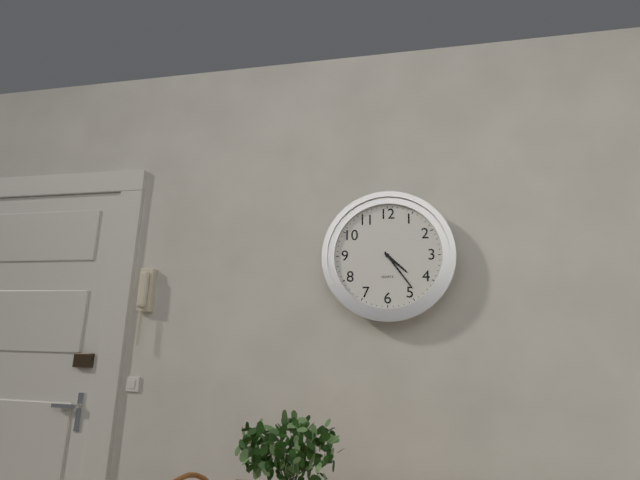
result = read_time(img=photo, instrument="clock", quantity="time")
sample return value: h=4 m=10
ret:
h=4 m=24
